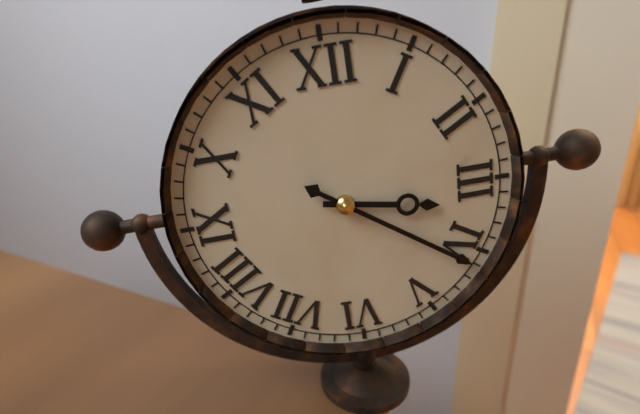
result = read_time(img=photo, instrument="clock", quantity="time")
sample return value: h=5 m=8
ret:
h=3 m=21
